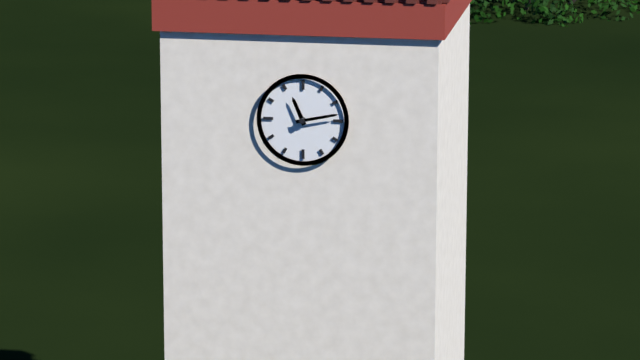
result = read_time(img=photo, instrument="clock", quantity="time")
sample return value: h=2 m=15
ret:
h=11 m=13
